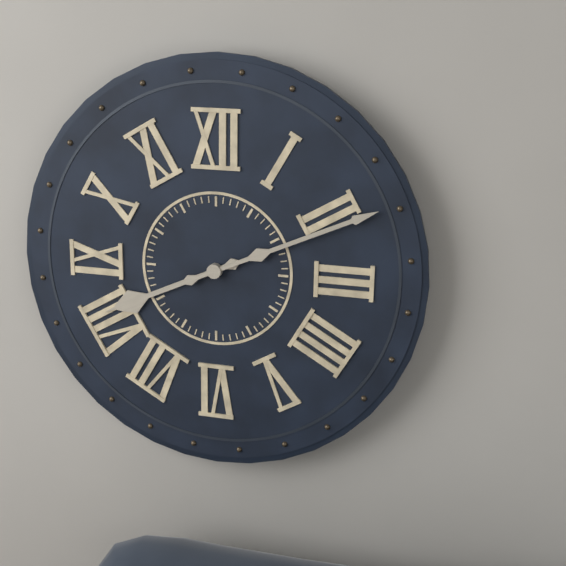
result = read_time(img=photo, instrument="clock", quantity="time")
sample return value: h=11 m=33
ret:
h=8 m=11
